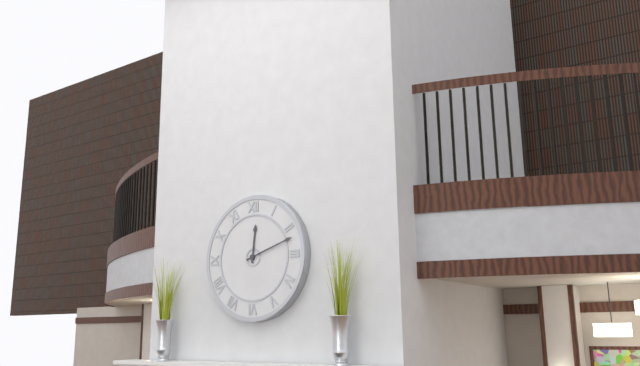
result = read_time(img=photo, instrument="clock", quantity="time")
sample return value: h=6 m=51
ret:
h=12 m=12
